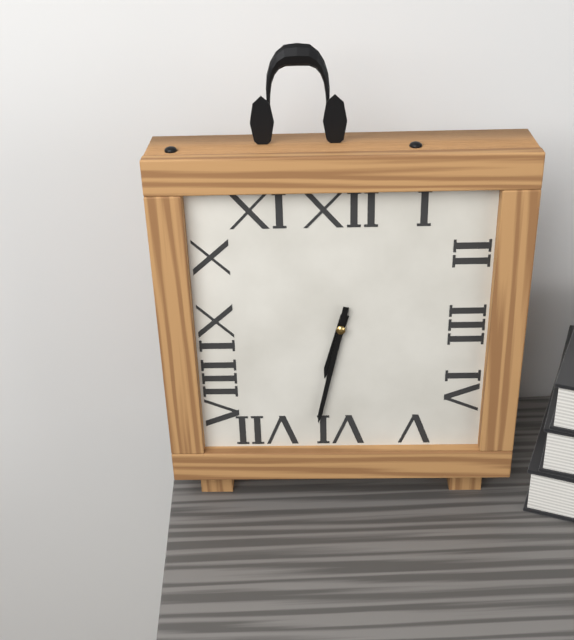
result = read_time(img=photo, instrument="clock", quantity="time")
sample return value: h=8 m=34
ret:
h=6 m=32
